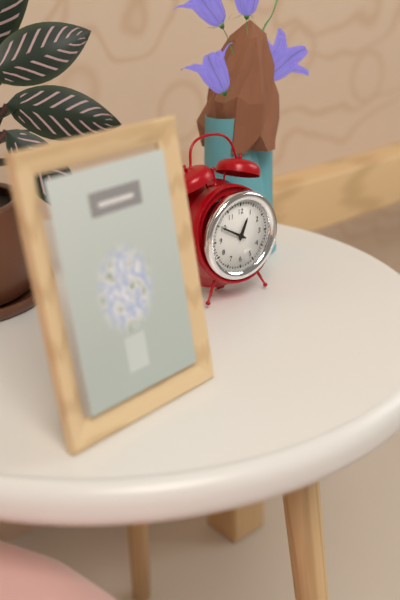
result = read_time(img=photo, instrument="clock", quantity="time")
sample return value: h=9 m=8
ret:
h=12 m=50
